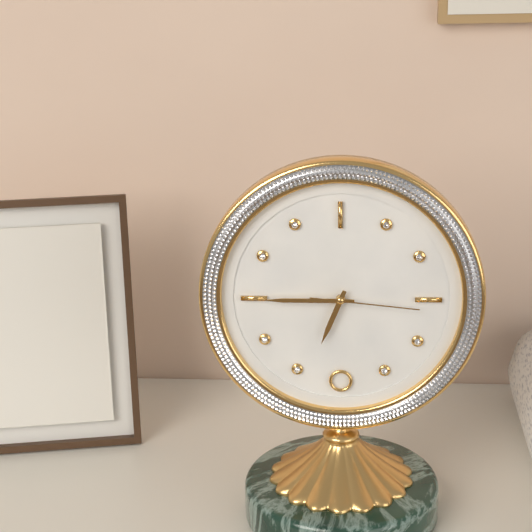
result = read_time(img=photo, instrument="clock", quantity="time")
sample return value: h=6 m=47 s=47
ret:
h=6 m=45 s=16
